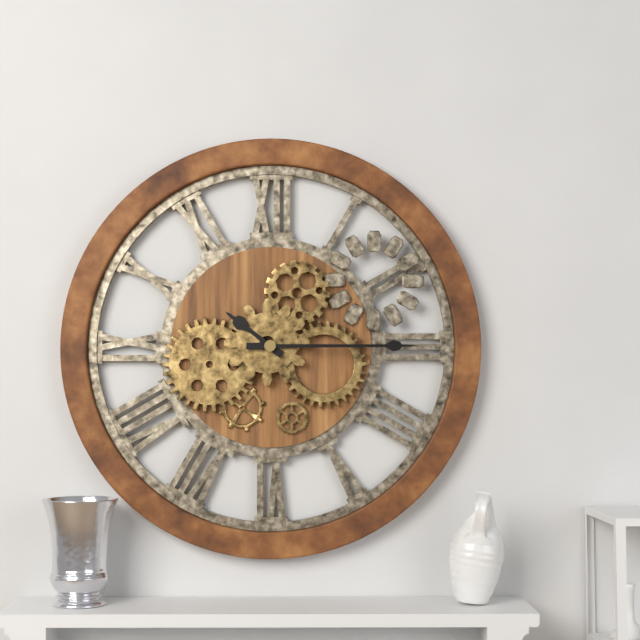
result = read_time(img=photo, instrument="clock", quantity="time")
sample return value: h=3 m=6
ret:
h=10 m=15
